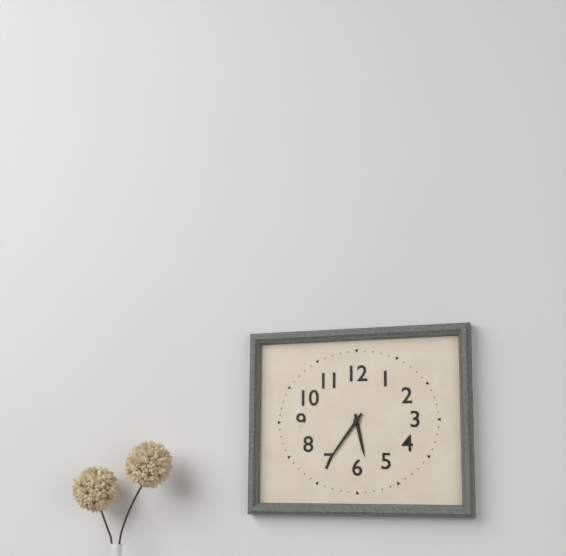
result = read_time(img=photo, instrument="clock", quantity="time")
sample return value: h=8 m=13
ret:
h=5 m=36
